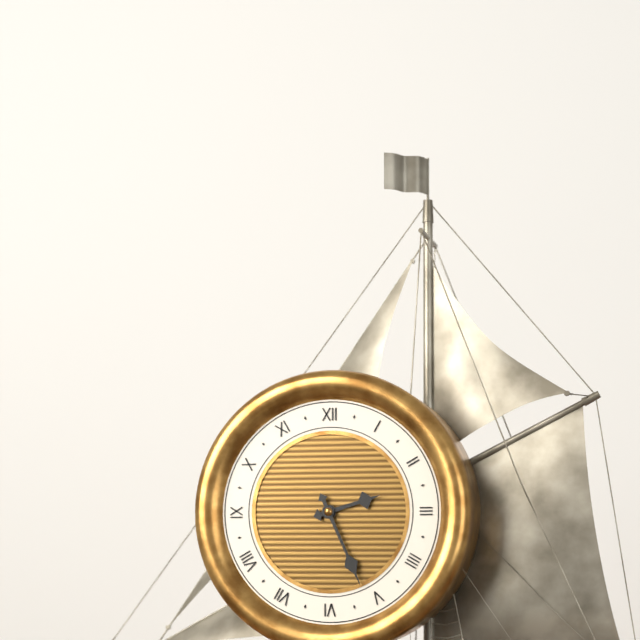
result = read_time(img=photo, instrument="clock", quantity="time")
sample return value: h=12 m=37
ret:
h=2 m=26
